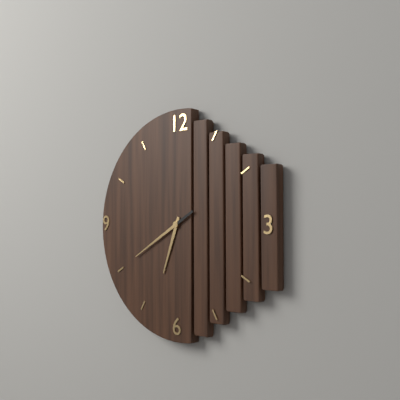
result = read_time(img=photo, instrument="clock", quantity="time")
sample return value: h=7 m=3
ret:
h=6 m=40
